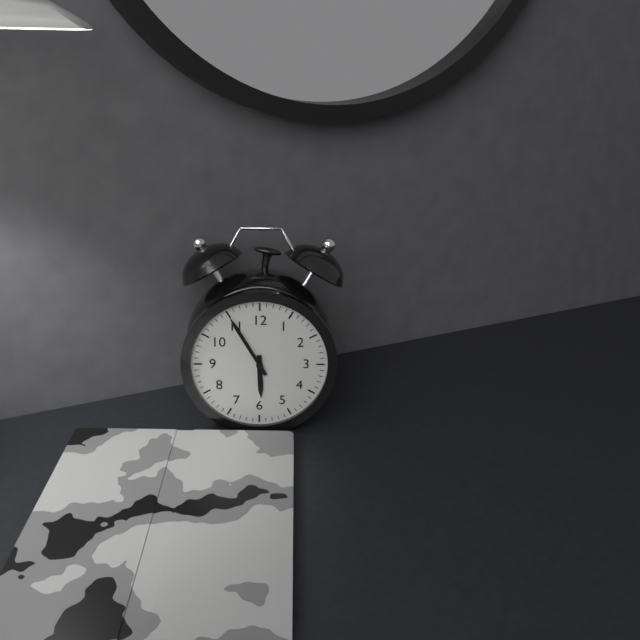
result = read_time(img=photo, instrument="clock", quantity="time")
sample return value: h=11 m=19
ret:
h=5 m=55
